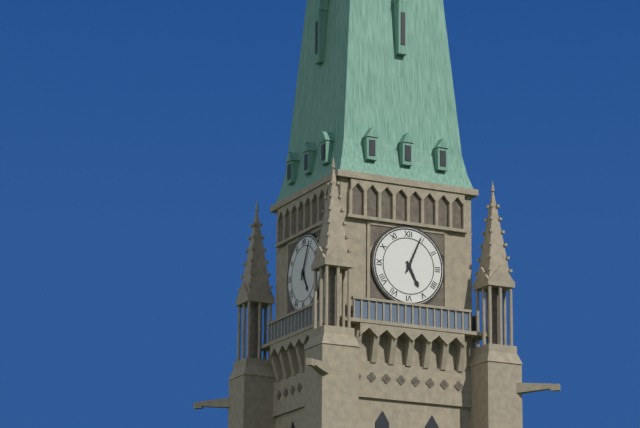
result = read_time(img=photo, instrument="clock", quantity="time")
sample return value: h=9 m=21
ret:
h=5 m=4
